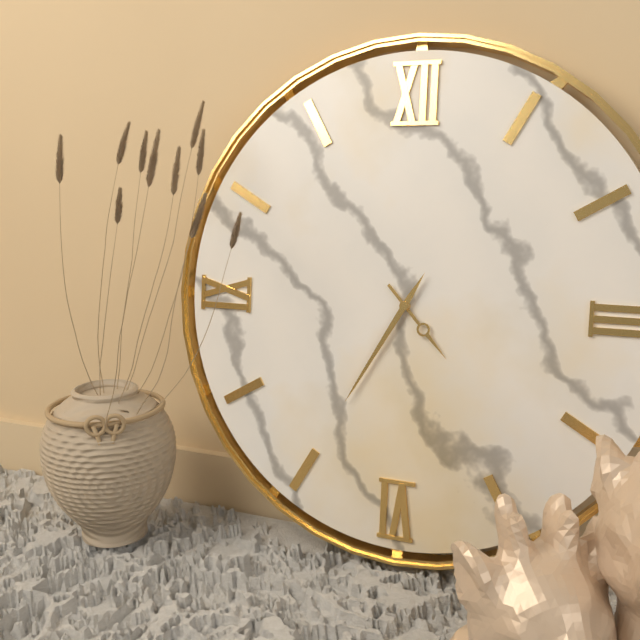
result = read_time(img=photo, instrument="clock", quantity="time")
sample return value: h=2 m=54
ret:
h=4 m=35
